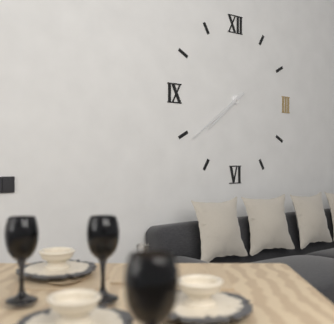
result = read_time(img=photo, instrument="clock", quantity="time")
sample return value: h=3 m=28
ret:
h=7 m=39
